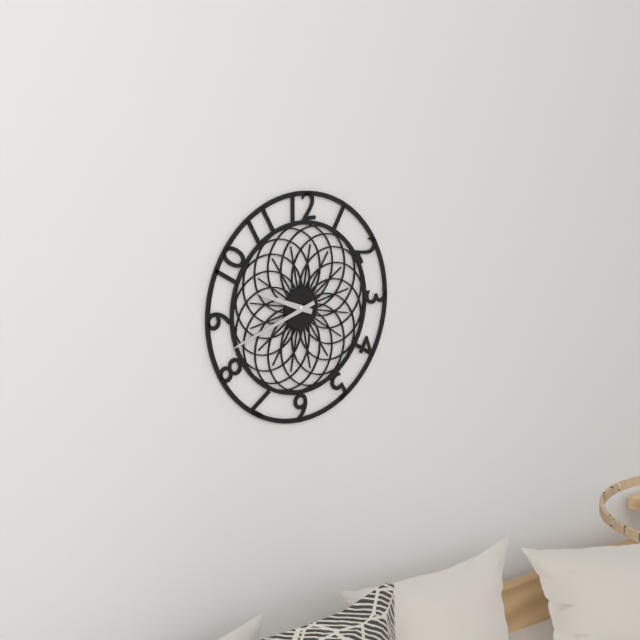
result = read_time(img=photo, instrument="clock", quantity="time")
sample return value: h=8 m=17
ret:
h=9 m=42
